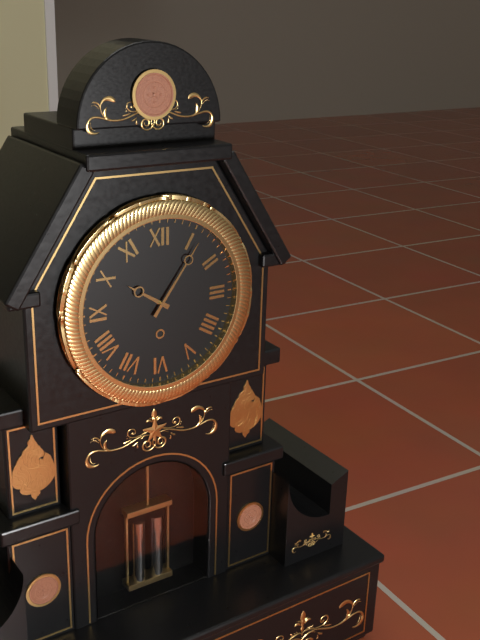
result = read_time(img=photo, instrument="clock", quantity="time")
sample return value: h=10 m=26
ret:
h=10 m=6
